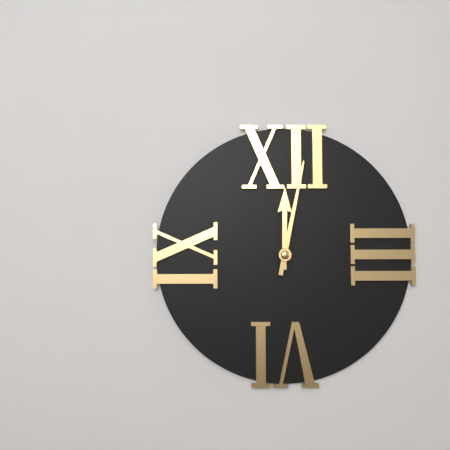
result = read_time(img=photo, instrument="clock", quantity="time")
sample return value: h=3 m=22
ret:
h=12 m=2
